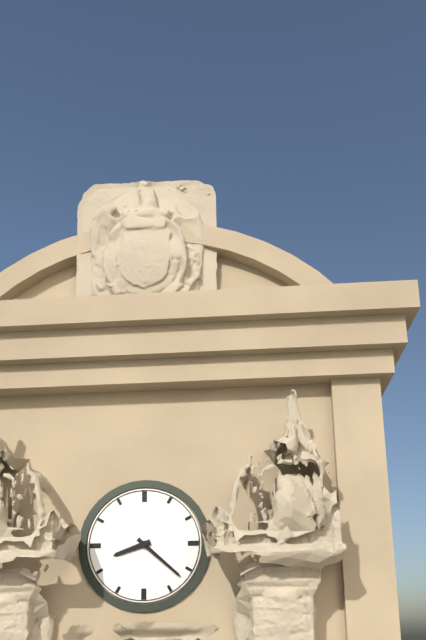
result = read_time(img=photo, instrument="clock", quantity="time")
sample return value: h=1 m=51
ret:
h=8 m=22
